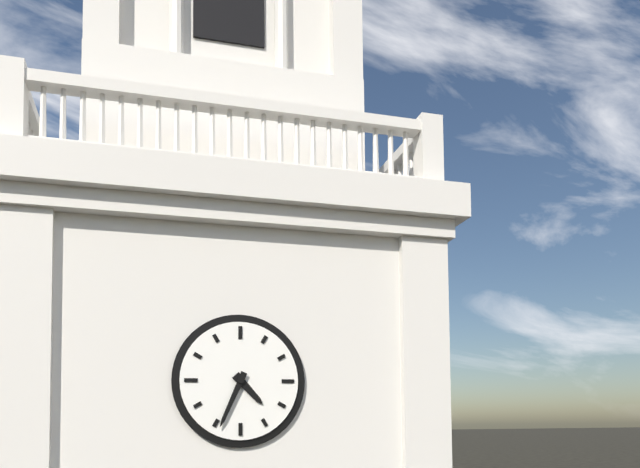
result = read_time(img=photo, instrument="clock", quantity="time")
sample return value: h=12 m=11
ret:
h=4 m=34
